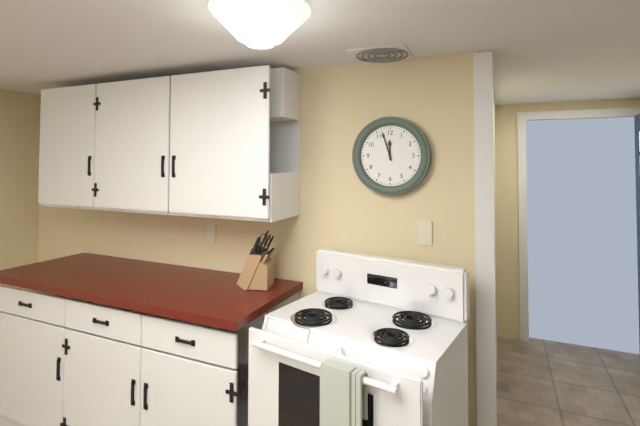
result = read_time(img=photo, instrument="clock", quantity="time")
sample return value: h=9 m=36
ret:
h=11 m=57
